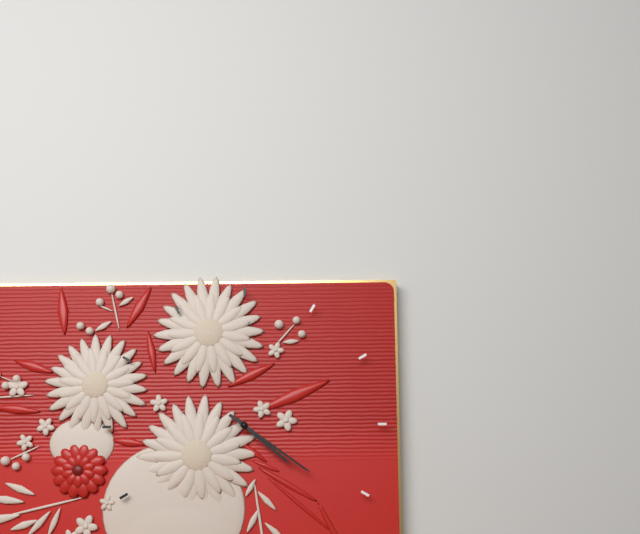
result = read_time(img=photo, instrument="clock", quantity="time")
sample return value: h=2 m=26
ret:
h=4 m=21
